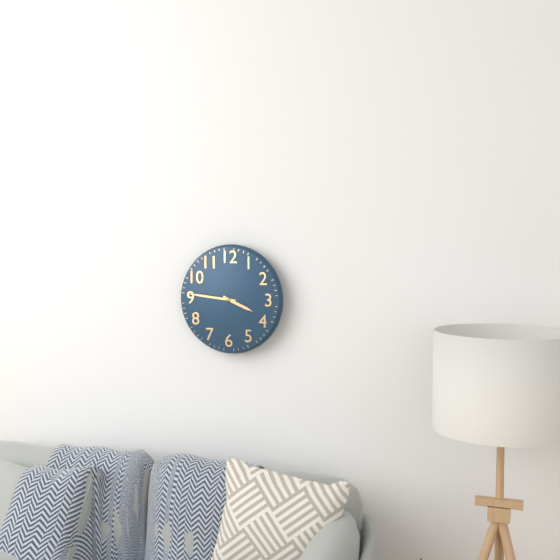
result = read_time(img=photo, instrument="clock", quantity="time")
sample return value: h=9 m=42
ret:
h=3 m=46
